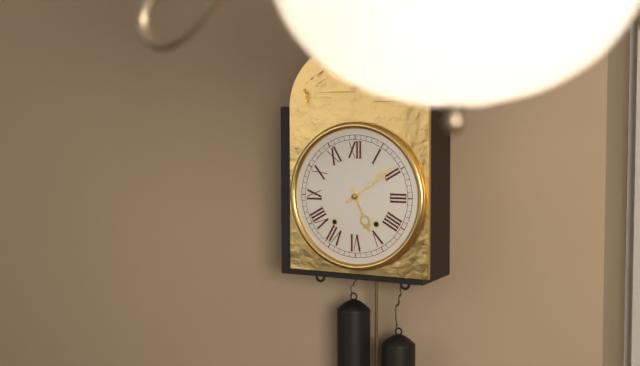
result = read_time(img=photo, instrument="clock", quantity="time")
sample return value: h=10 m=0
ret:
h=5 m=9
